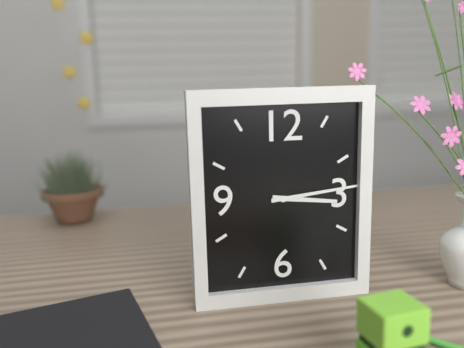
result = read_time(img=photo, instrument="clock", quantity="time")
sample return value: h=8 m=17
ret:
h=3 m=14
